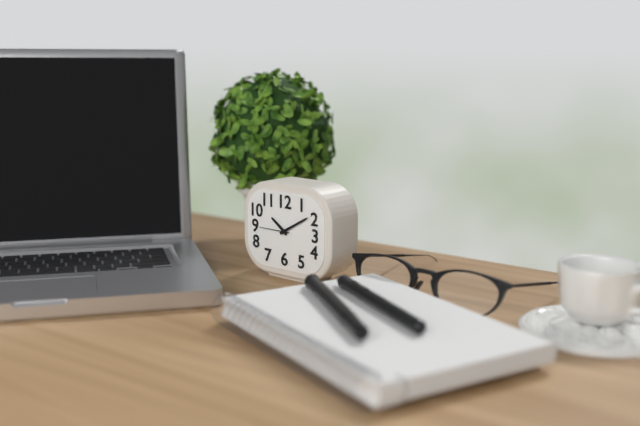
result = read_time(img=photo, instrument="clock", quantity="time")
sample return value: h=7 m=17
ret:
h=10 m=10
